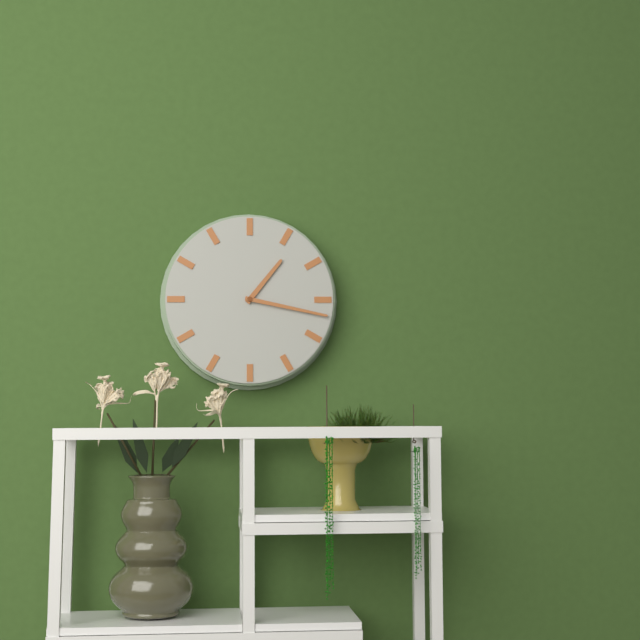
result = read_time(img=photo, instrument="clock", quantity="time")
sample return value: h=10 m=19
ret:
h=1 m=17
